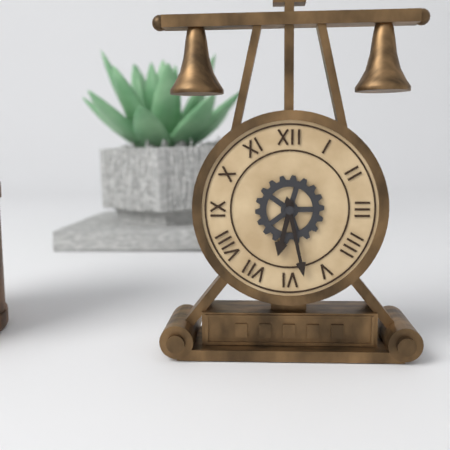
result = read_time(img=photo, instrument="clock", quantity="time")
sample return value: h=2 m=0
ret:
h=6 m=28
